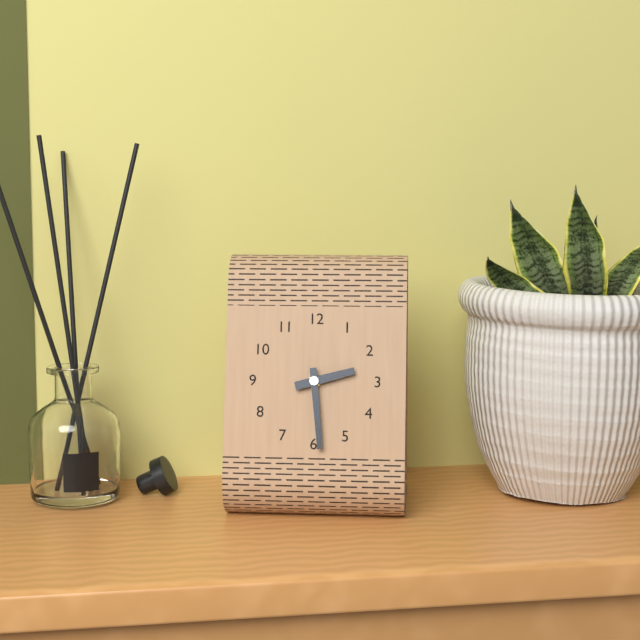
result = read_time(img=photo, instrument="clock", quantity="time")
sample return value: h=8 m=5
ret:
h=2 m=29
